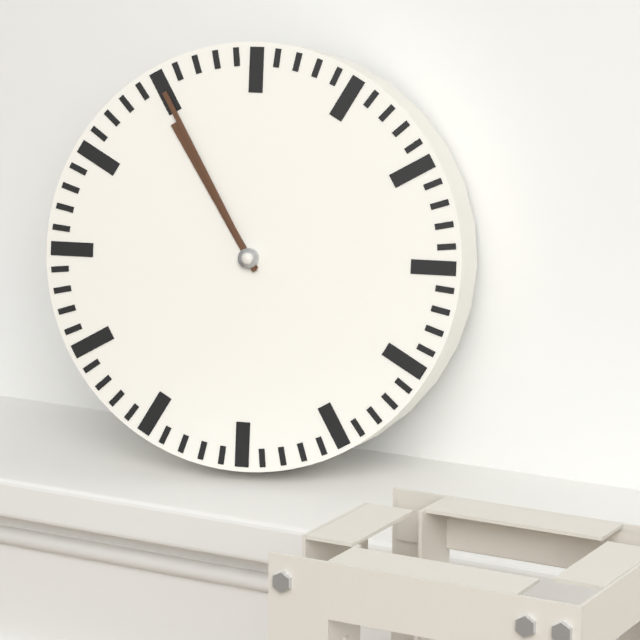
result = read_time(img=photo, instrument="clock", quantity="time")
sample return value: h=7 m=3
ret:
h=10 m=55
